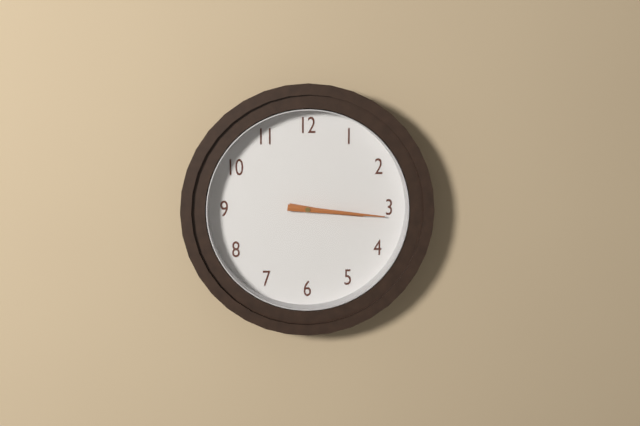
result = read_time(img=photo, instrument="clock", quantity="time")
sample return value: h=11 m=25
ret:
h=3 m=16
